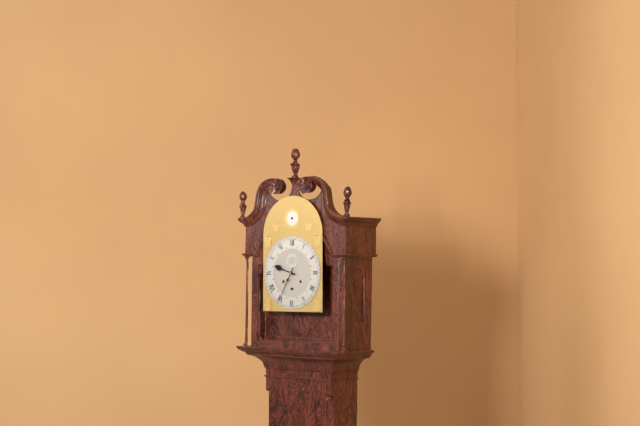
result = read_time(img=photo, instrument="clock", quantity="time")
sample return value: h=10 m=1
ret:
h=9 m=35
